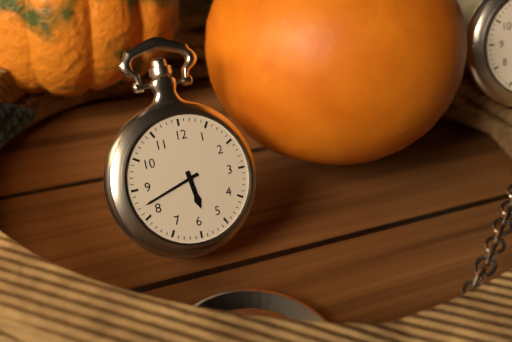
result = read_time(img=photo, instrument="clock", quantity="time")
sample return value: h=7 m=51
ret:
h=5 m=42
